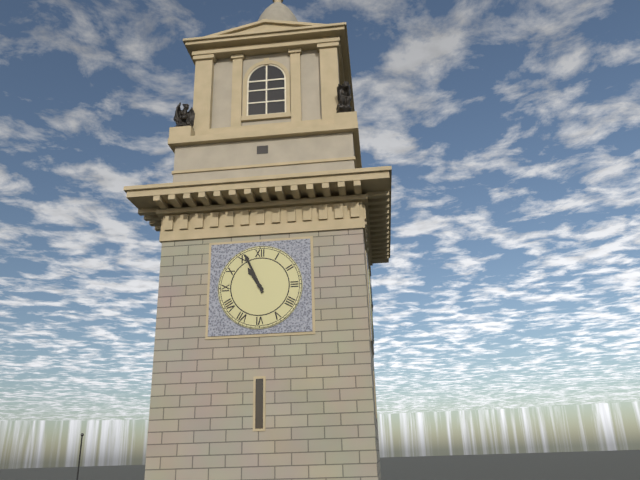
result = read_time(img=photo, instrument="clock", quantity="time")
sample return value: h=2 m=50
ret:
h=10 m=56
